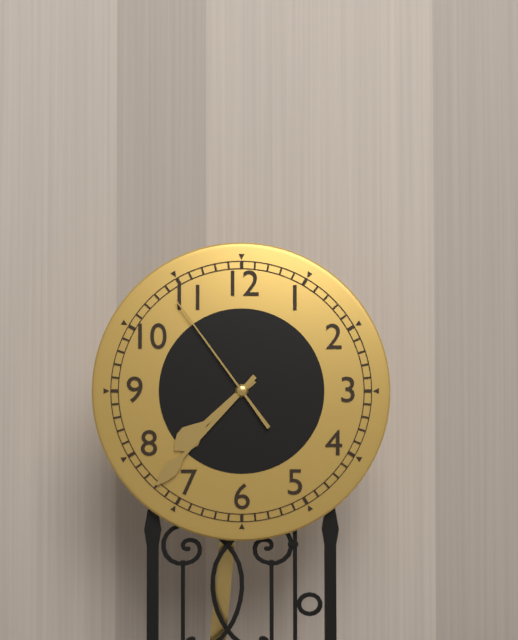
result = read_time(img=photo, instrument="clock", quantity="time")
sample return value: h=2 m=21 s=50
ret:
h=7 m=37 s=54
